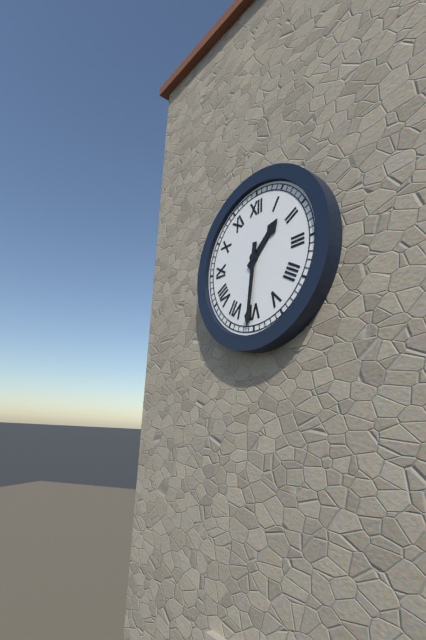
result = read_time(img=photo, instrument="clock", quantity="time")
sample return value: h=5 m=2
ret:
h=1 m=31
